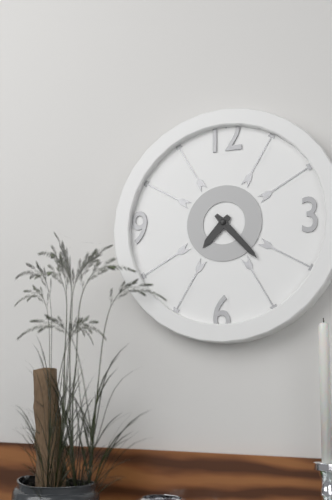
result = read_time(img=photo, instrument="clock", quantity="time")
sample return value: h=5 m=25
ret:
h=7 m=23
